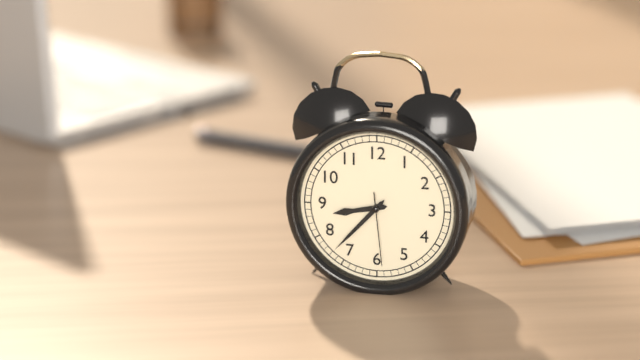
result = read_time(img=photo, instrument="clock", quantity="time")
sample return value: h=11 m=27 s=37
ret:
h=8 m=37 s=29
